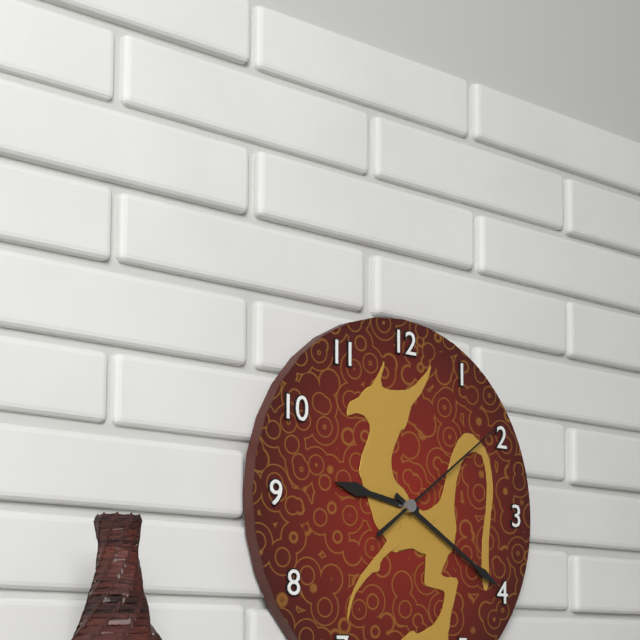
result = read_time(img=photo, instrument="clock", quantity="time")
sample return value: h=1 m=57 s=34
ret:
h=9 m=20 s=9
